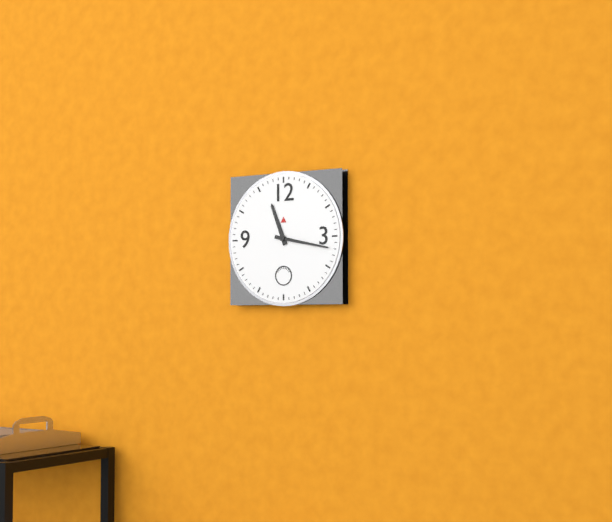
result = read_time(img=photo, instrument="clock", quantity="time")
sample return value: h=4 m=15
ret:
h=11 m=17
